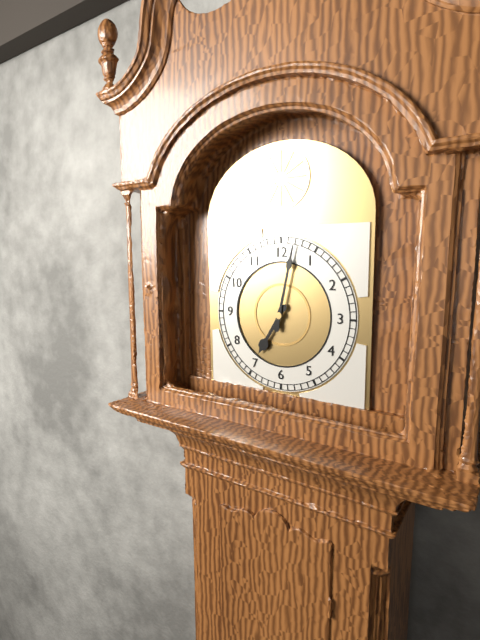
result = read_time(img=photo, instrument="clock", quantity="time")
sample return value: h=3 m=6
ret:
h=7 m=2
